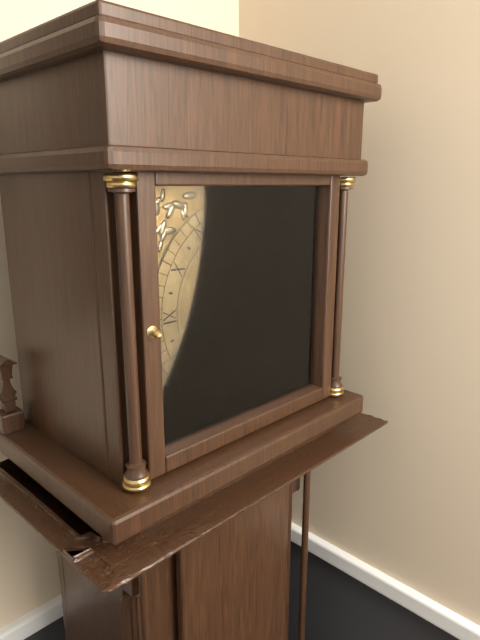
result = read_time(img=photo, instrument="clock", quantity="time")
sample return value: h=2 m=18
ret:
h=11 m=54
